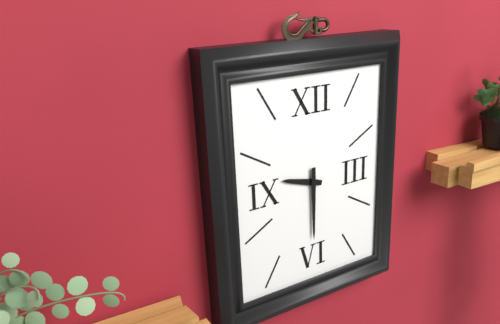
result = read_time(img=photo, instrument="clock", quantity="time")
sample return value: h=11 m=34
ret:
h=9 m=30
